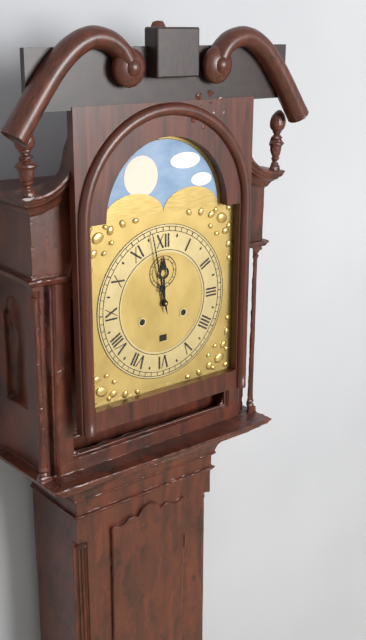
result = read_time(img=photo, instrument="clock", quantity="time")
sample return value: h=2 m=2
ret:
h=11 m=58
